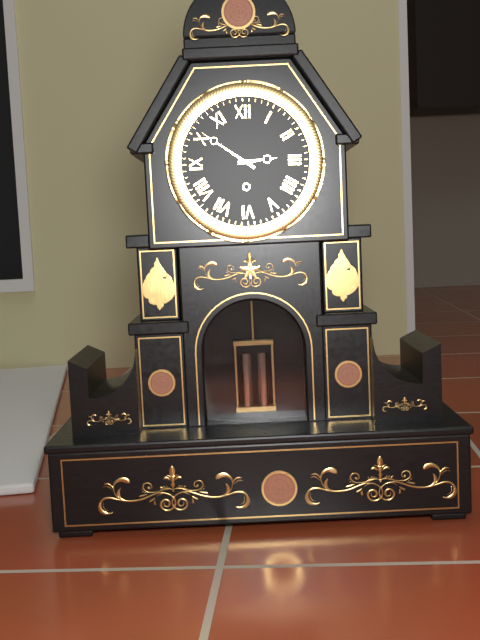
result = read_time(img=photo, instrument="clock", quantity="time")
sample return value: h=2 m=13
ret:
h=2 m=51
